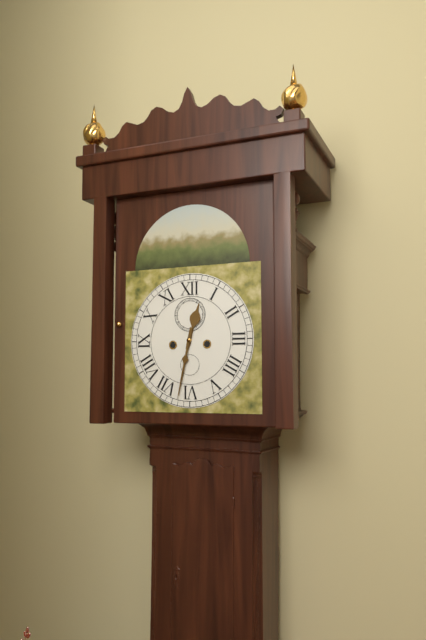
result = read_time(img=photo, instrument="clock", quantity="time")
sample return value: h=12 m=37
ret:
h=12 m=32
